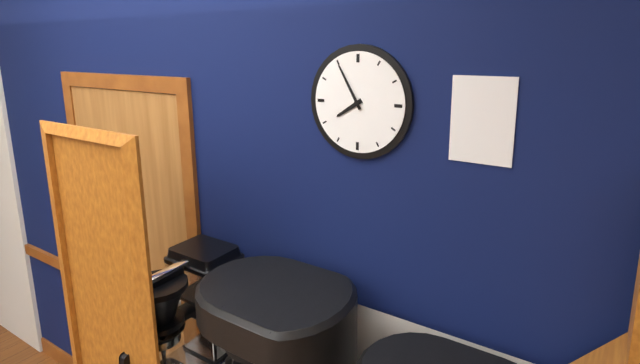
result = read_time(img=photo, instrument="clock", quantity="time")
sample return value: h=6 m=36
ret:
h=7 m=55
